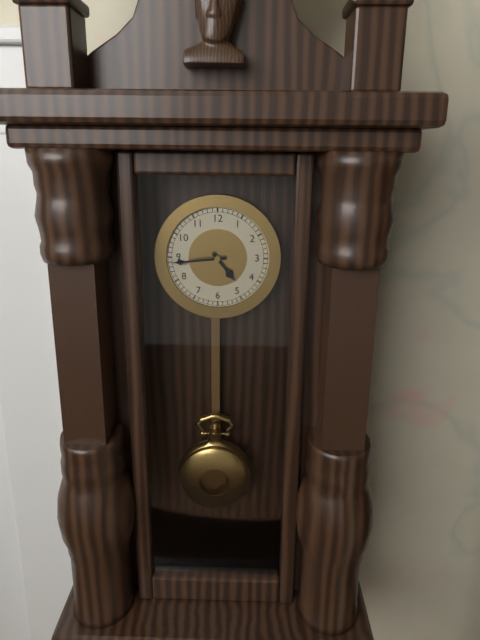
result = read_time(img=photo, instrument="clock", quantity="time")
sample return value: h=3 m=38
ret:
h=4 m=44
